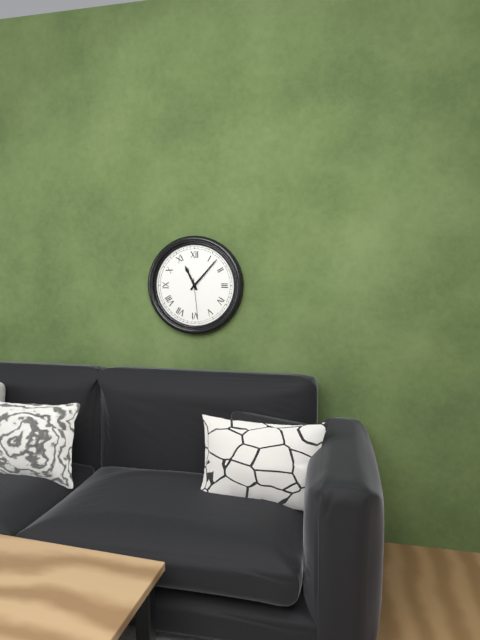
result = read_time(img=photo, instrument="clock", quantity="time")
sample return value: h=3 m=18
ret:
h=11 m=7
